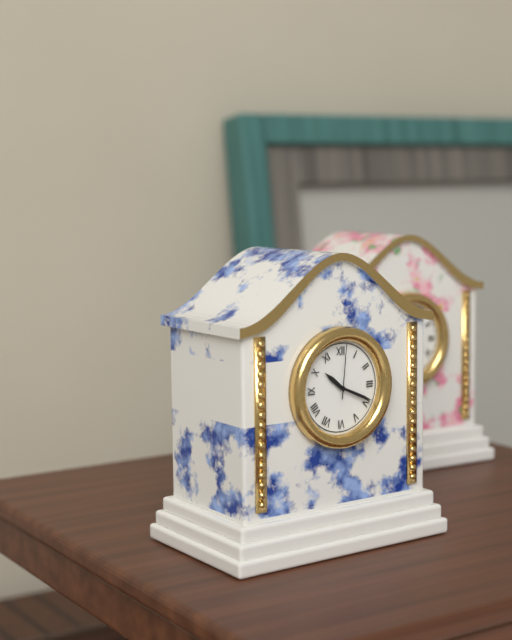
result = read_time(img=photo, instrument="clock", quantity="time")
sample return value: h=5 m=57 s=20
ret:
h=10 m=19 s=1
